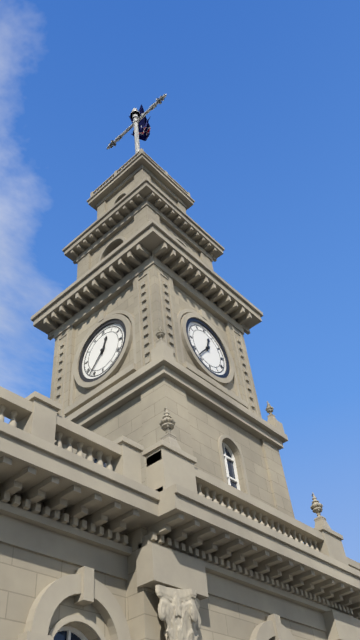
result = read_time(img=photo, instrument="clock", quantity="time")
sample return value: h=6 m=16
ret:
h=12 m=37
